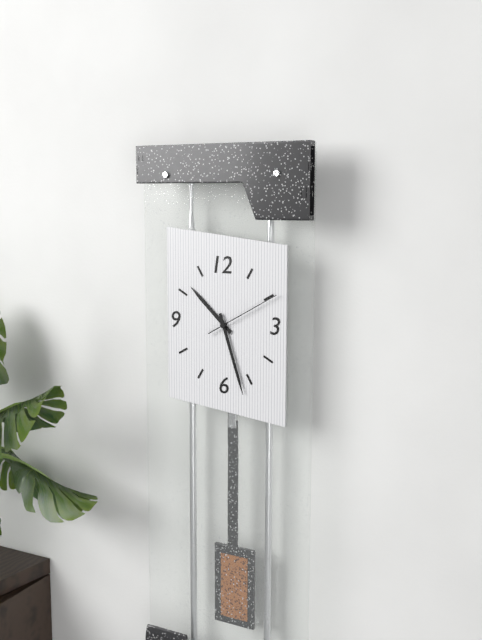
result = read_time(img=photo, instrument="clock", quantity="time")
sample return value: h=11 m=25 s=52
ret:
h=10 m=27 s=10
